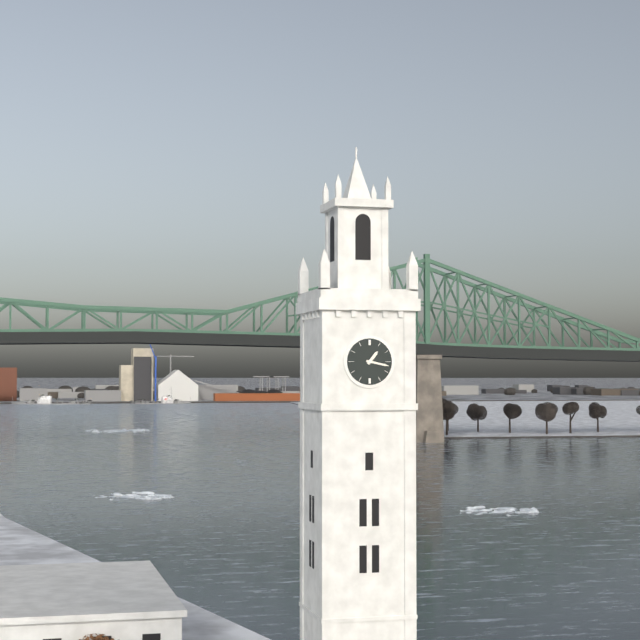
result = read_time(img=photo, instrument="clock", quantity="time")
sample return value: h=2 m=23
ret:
h=1 m=17
